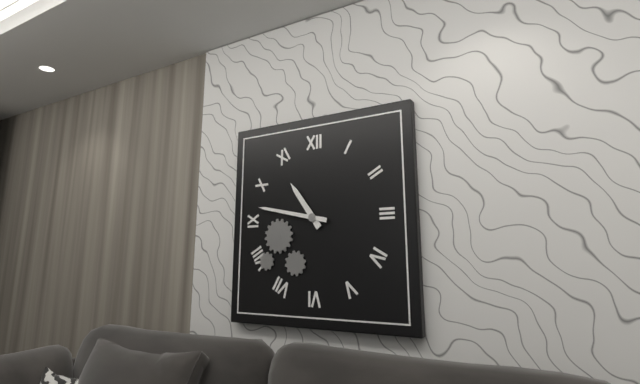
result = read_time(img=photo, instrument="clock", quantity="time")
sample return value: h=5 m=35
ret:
h=10 m=47
